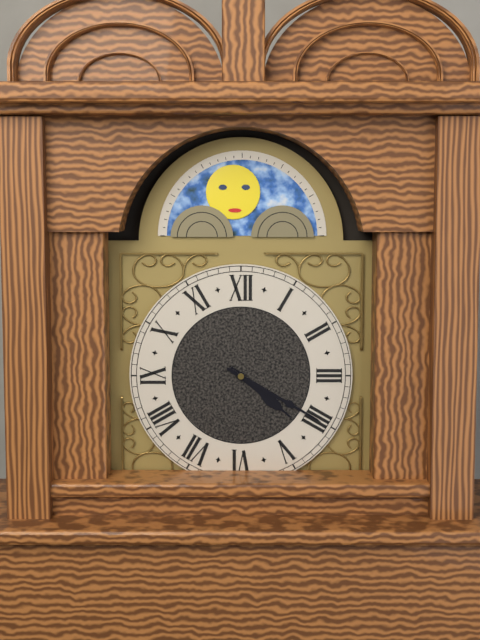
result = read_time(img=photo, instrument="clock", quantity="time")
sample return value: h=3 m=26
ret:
h=4 m=20
